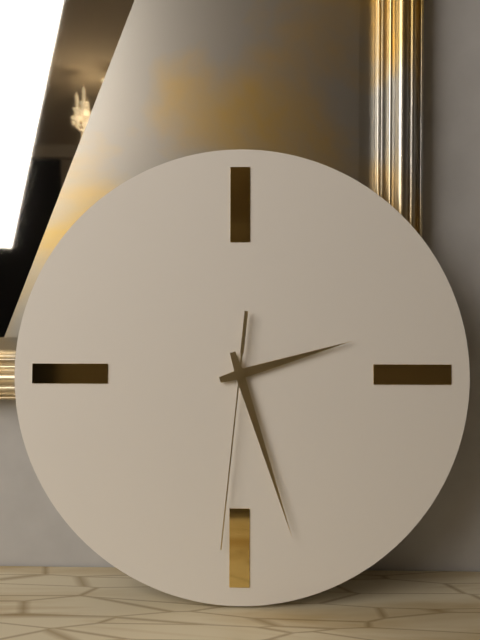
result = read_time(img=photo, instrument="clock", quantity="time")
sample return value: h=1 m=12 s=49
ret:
h=2 m=27 s=31
